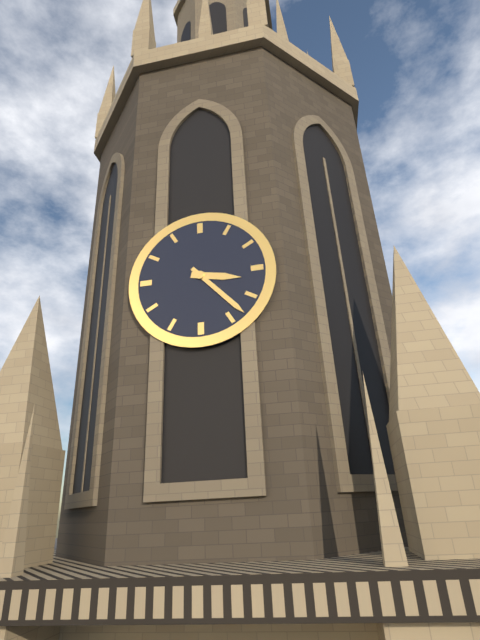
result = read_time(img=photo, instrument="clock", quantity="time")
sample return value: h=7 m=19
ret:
h=3 m=23
